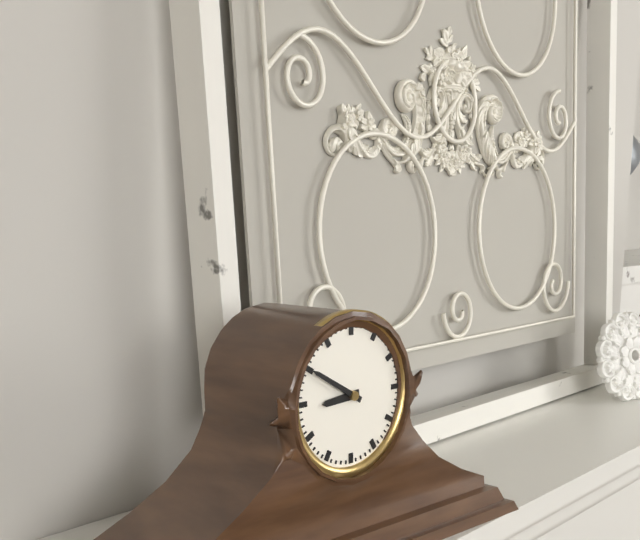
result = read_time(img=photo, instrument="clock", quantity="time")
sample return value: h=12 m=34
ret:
h=8 m=50
